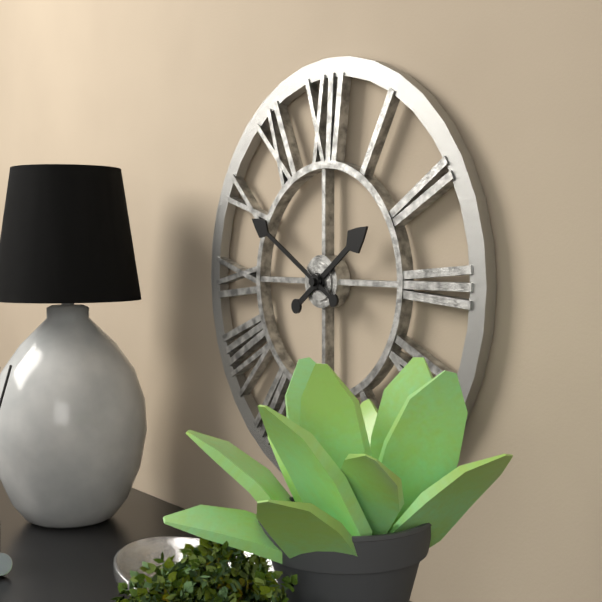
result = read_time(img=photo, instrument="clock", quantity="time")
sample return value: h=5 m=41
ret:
h=1 m=50
